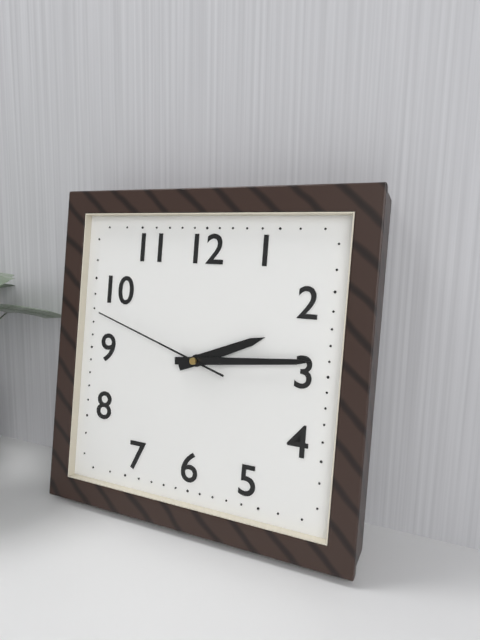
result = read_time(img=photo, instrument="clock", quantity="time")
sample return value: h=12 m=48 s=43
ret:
h=2 m=14 s=48
